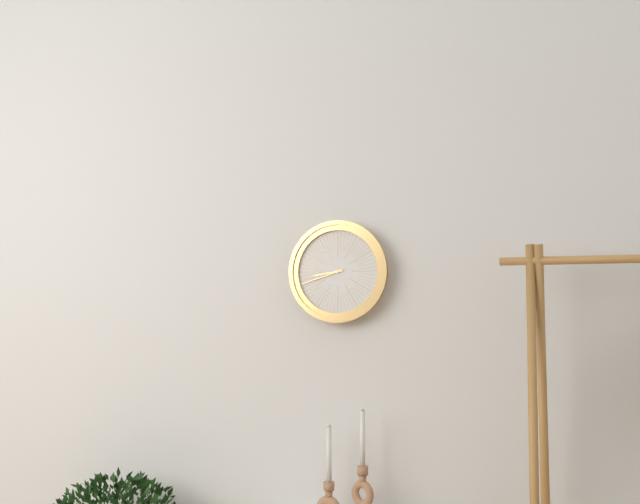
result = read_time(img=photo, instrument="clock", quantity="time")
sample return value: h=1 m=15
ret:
h=8 m=42
